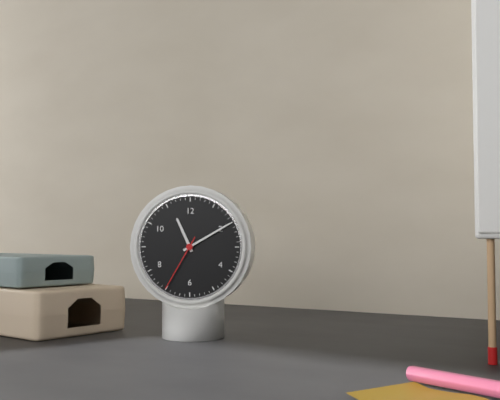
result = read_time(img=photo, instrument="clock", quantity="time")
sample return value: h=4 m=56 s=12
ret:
h=11 m=10 s=35
